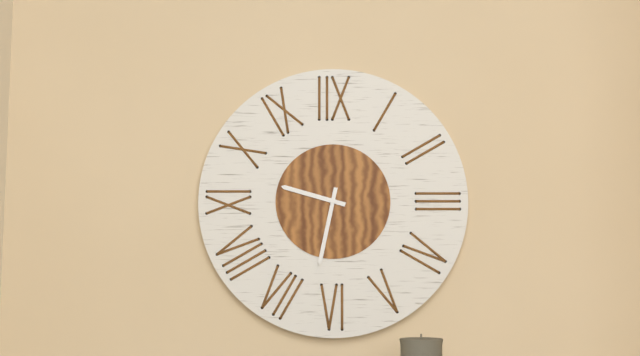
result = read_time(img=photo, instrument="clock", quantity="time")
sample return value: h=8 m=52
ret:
h=9 m=32
